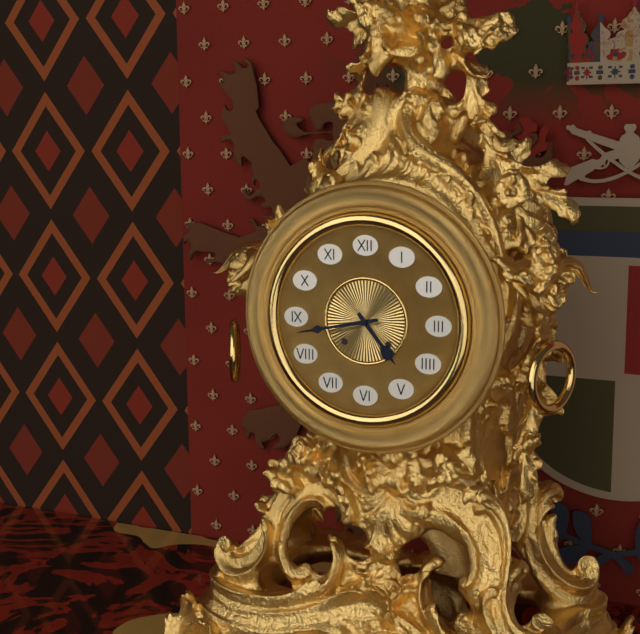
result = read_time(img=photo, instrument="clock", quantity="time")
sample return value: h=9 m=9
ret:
h=4 m=43
